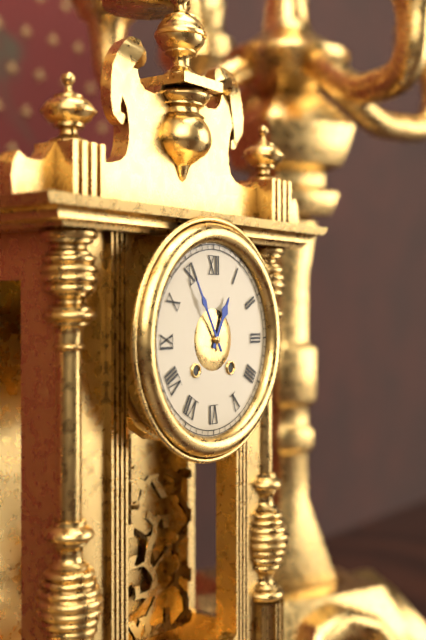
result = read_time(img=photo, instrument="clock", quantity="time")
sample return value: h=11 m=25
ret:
h=12 m=55
